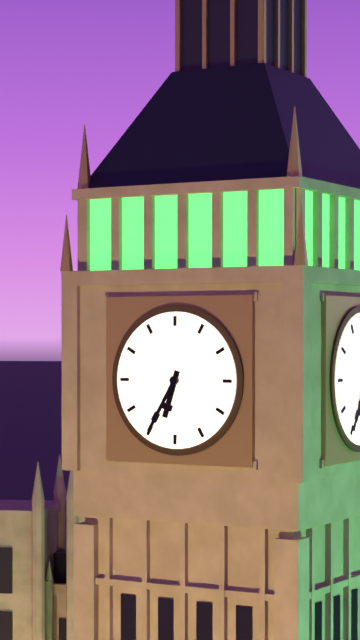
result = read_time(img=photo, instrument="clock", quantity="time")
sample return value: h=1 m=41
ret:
h=6 m=35
